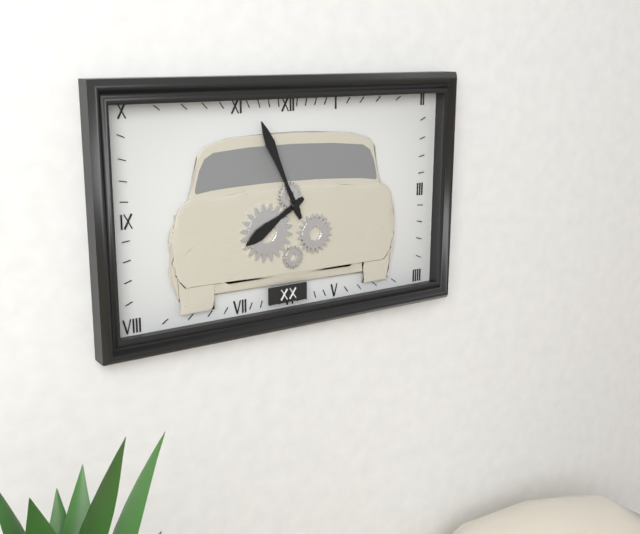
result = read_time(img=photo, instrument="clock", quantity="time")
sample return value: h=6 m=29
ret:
h=7 m=56
